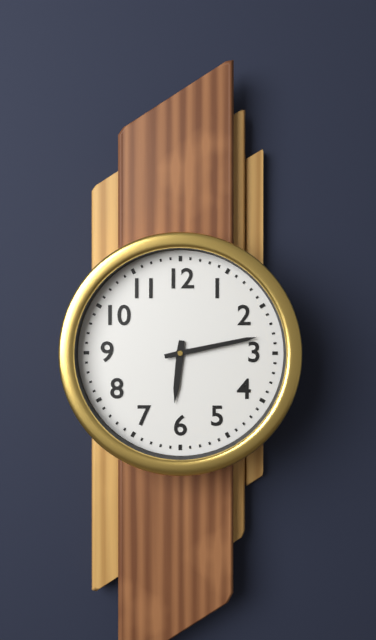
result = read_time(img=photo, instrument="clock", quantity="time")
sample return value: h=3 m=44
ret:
h=6 m=13
